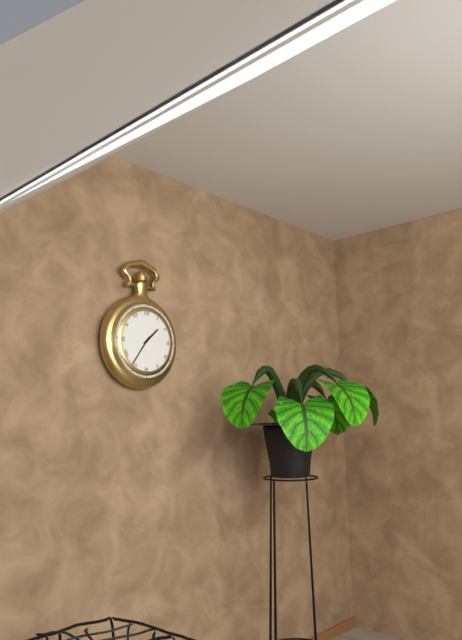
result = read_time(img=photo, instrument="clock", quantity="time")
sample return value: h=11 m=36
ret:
h=1 m=36
